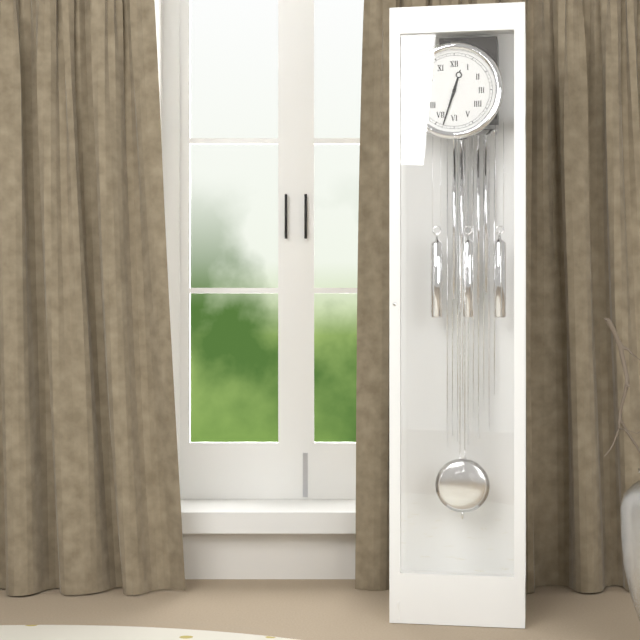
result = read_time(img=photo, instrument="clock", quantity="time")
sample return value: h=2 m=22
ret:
h=12 m=33
